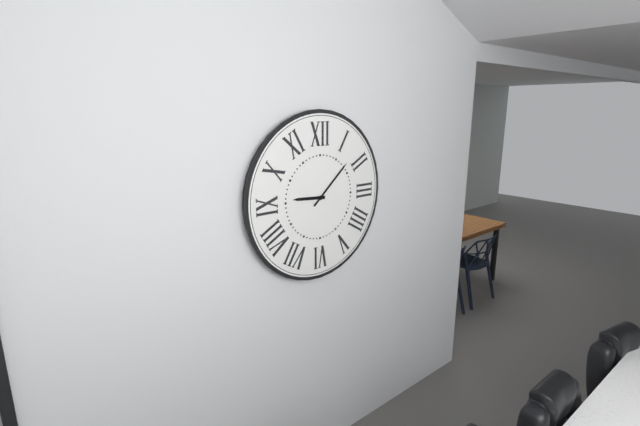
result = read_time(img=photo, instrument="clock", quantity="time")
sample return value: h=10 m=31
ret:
h=9 m=8
